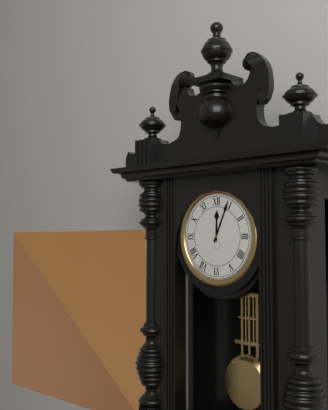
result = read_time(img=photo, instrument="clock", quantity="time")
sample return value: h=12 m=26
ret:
h=12 m=4
